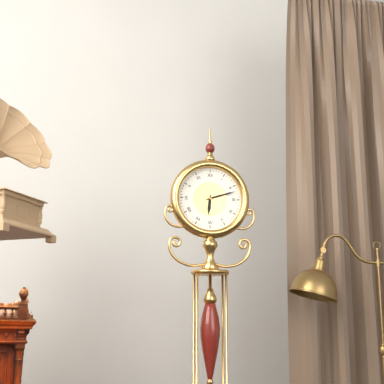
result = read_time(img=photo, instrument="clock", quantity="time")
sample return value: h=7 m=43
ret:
h=6 m=12
